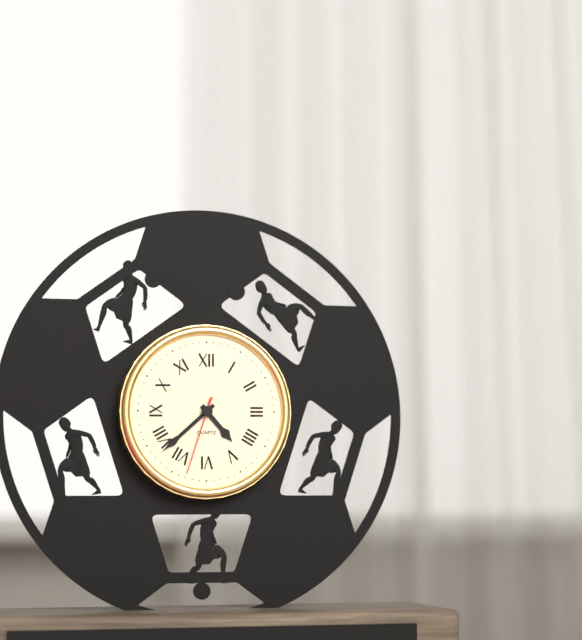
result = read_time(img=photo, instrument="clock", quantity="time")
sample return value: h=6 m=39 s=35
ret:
h=4 m=38 s=33
